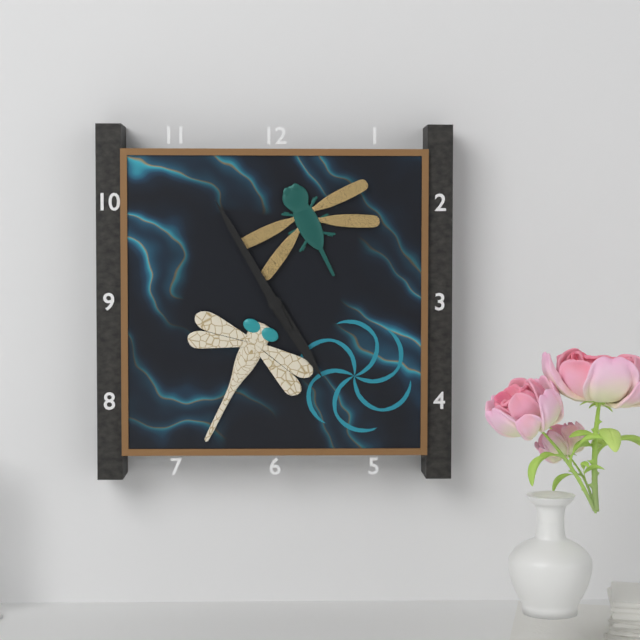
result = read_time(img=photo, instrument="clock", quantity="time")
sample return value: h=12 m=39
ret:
h=4 m=55
